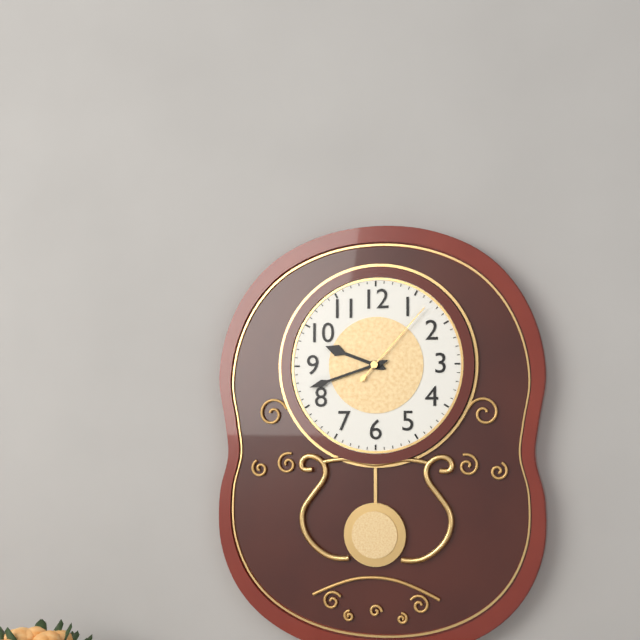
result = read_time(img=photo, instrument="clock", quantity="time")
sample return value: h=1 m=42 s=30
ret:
h=9 m=42 s=7
